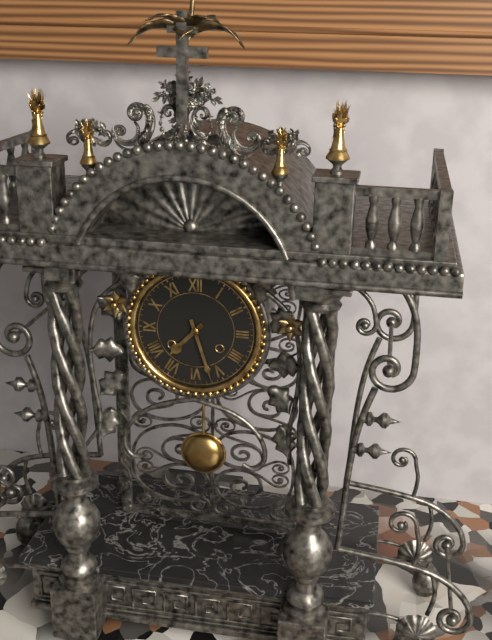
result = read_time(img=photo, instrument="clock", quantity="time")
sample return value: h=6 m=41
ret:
h=7 m=27
